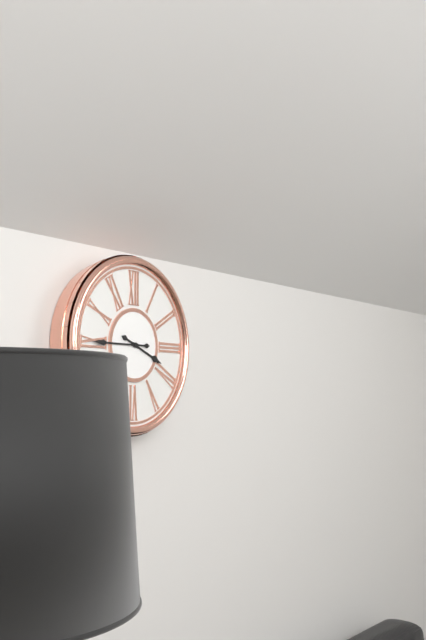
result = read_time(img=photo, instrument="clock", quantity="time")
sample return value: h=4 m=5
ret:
h=3 m=45
